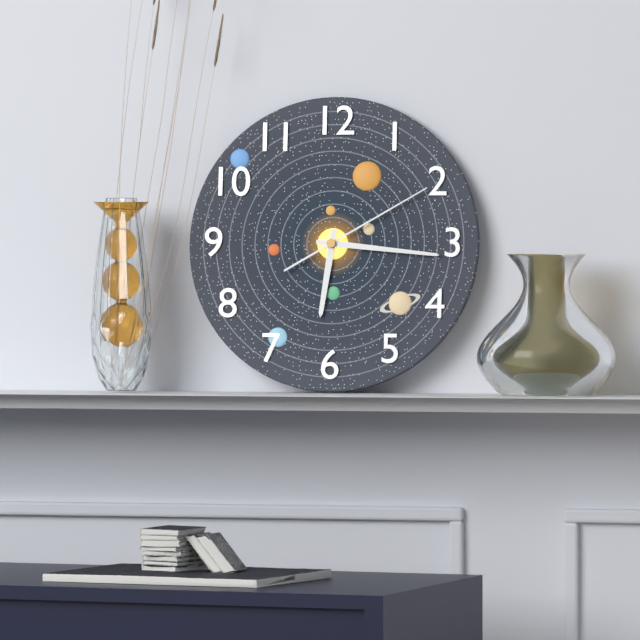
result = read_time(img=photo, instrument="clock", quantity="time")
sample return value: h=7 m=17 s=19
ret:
h=6 m=16 s=10
